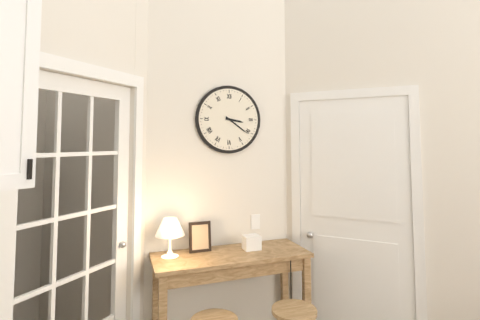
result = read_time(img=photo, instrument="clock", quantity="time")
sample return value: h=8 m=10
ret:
h=3 m=21
